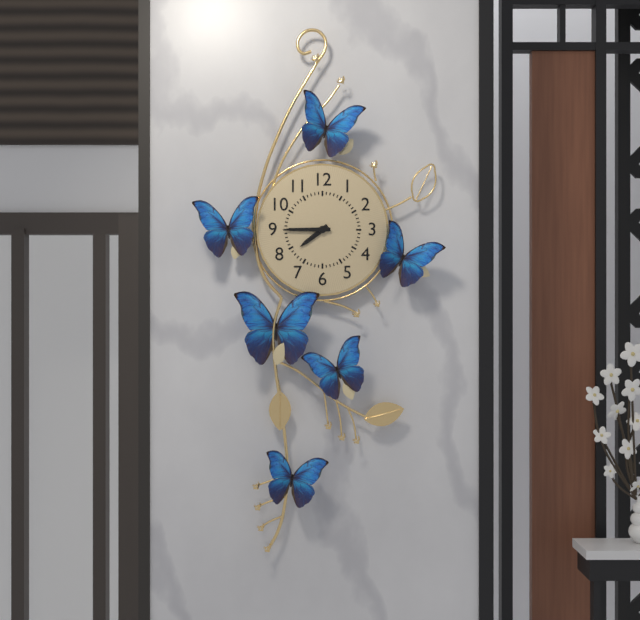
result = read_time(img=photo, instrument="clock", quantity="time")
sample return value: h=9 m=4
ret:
h=7 m=45
